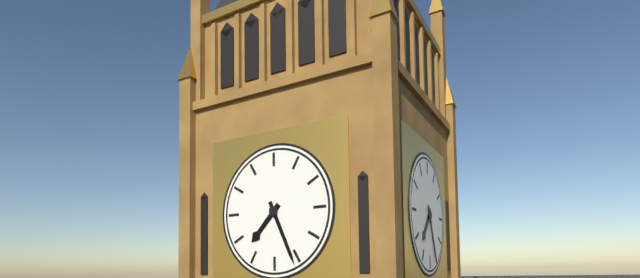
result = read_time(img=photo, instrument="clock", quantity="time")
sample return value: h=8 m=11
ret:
h=7 m=26
